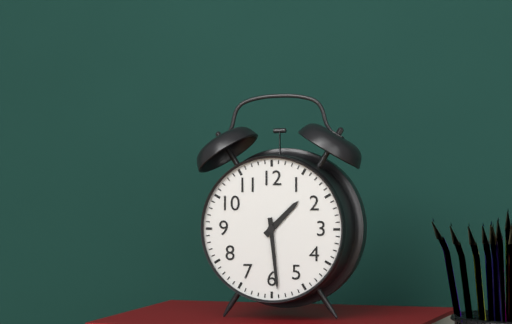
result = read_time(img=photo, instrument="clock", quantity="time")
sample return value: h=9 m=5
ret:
h=1 m=29
